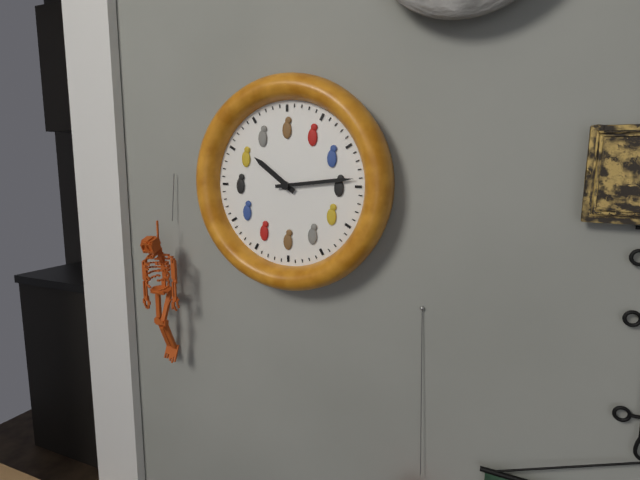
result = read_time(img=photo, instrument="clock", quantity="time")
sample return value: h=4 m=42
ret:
h=10 m=14
